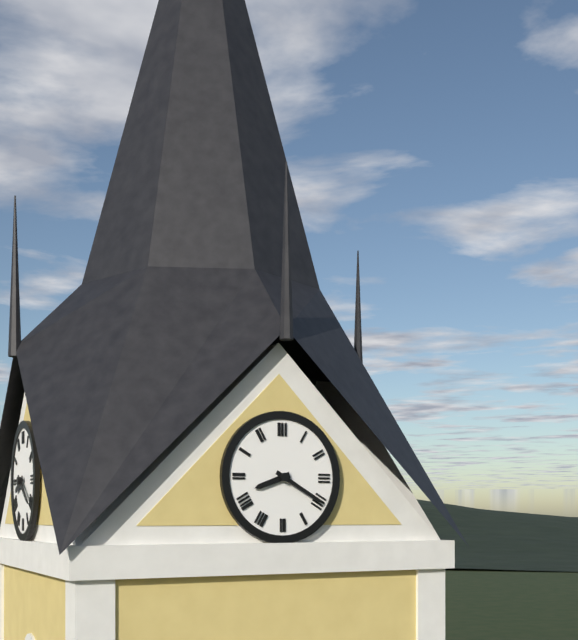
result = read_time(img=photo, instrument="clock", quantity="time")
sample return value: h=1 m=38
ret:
h=8 m=20
